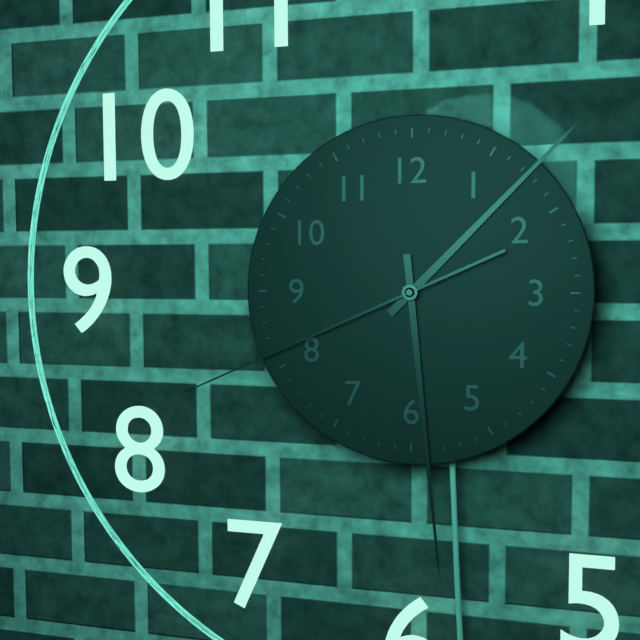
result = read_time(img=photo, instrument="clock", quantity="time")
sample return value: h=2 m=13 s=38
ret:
h=1 m=29 s=41
